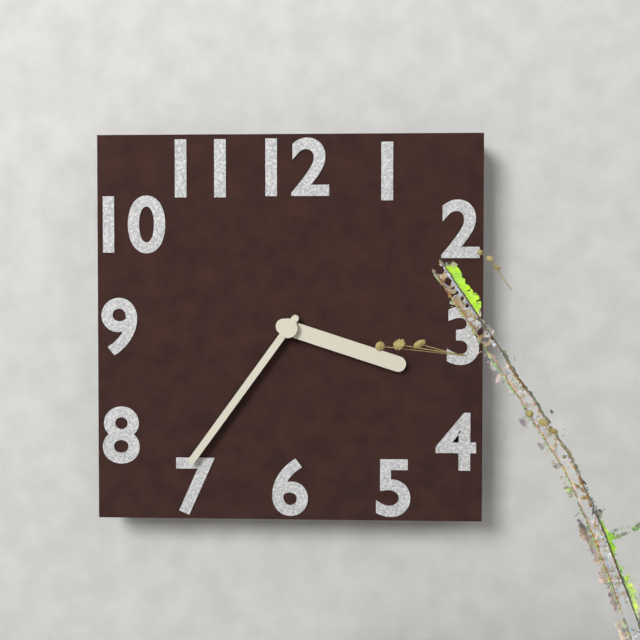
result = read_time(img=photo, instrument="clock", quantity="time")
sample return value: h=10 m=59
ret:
h=3 m=36
